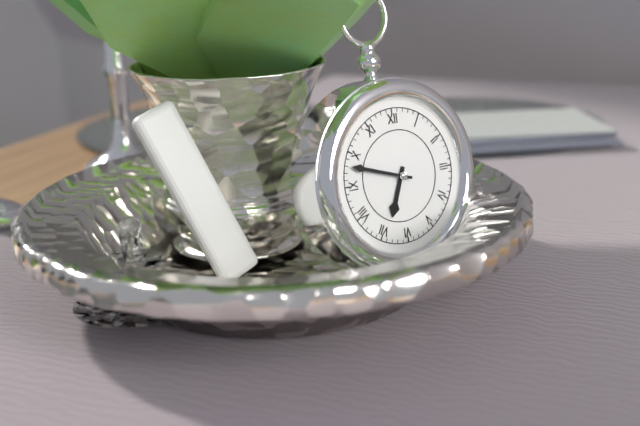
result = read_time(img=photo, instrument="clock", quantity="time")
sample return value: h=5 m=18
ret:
h=6 m=48
